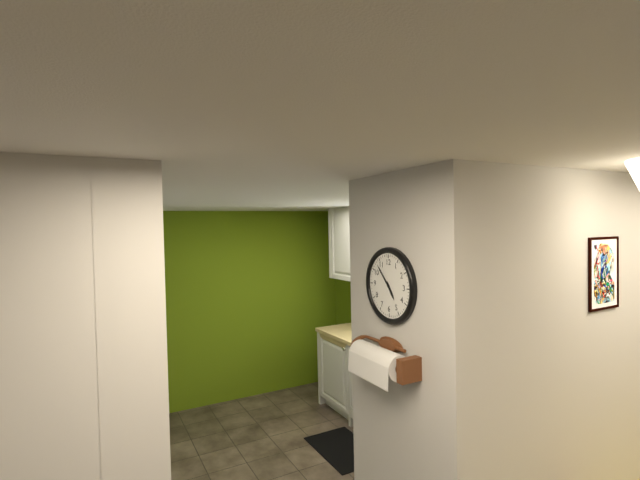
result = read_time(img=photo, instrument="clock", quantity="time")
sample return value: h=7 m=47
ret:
h=4 m=53
